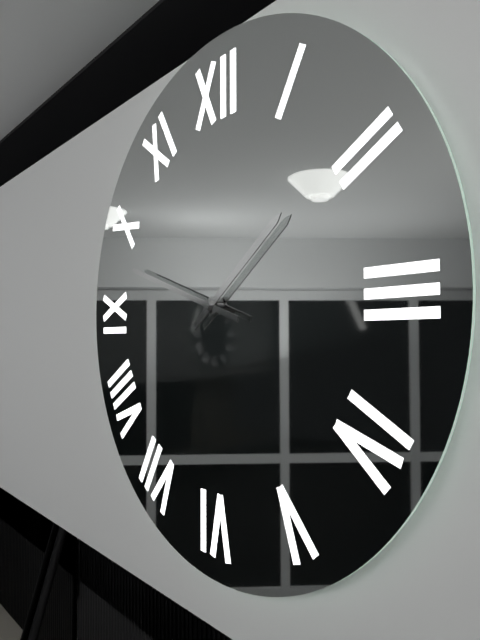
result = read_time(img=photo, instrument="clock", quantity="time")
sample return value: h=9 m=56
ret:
h=1 m=48
